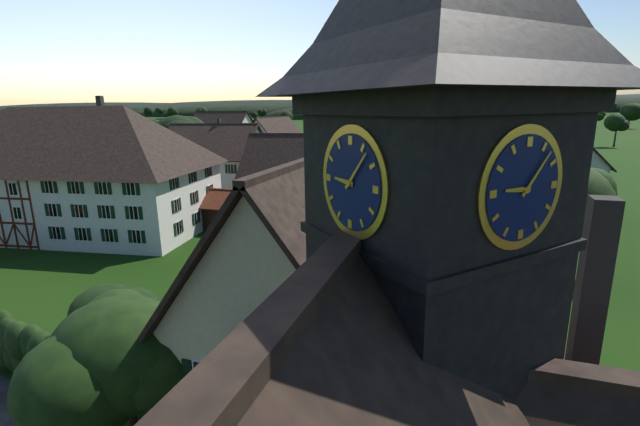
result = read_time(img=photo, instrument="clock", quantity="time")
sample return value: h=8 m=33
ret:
h=9 m=7
